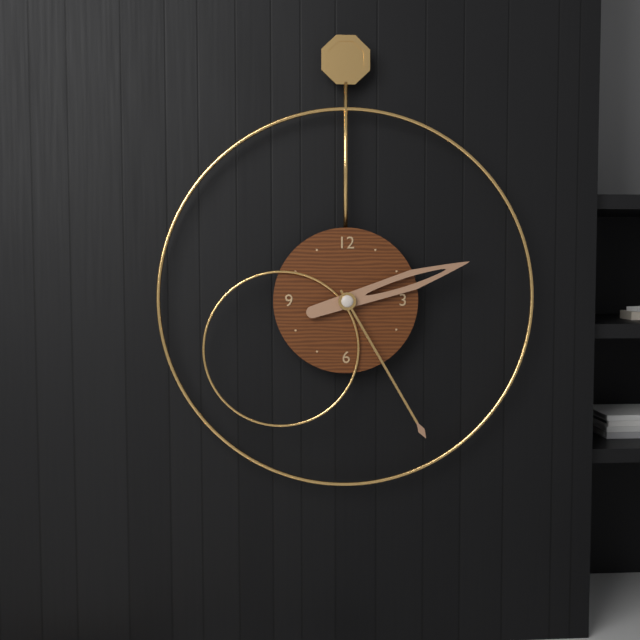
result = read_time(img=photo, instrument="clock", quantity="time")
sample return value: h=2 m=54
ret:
h=2 m=25
